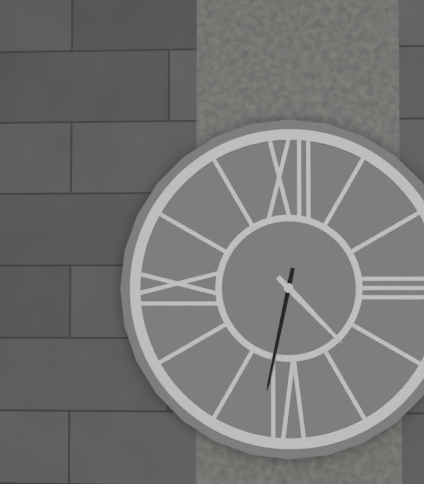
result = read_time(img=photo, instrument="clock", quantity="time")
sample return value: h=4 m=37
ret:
h=4 m=32
